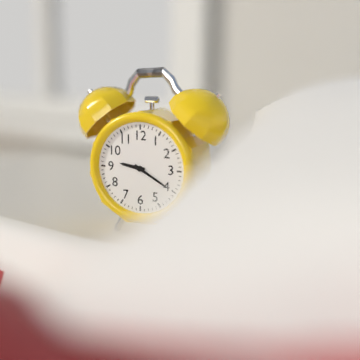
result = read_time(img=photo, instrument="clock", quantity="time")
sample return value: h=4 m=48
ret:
h=9 m=20
